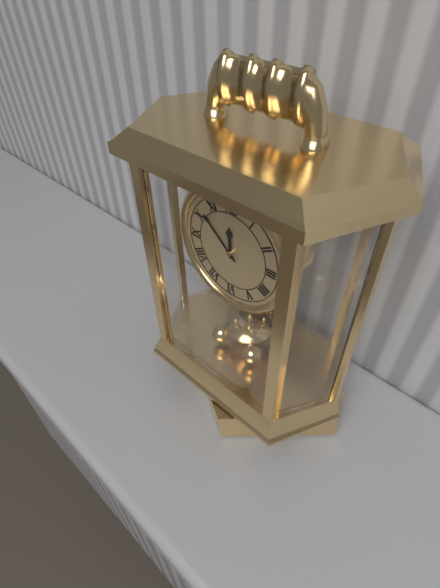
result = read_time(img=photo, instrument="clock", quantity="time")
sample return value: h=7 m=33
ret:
h=11 m=52
